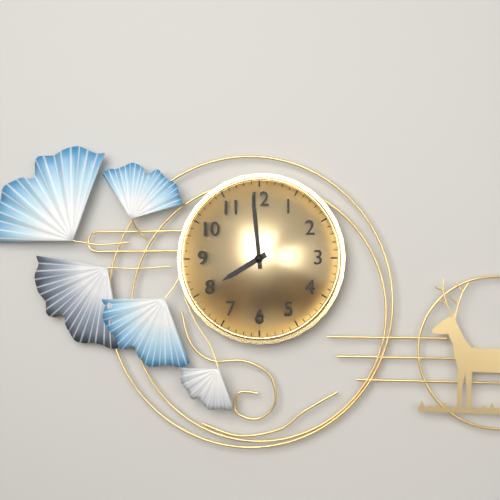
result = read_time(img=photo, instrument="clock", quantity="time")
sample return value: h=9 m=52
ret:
h=7 m=59
